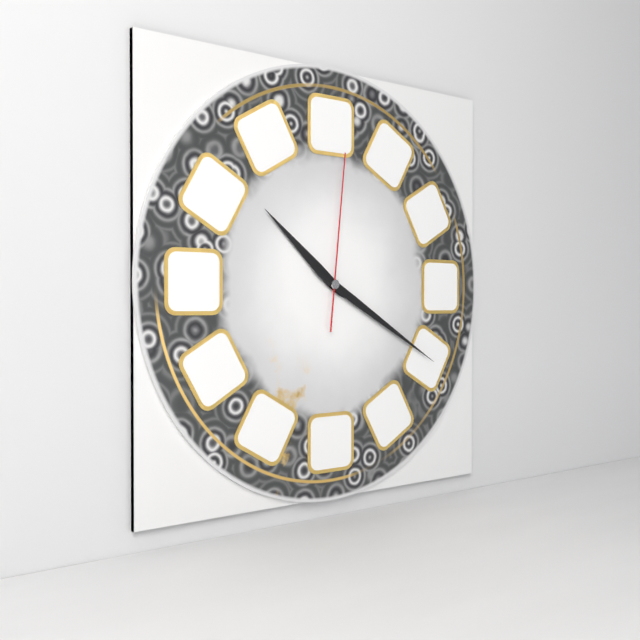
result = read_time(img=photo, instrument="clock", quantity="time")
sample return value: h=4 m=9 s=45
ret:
h=10 m=20 s=1
